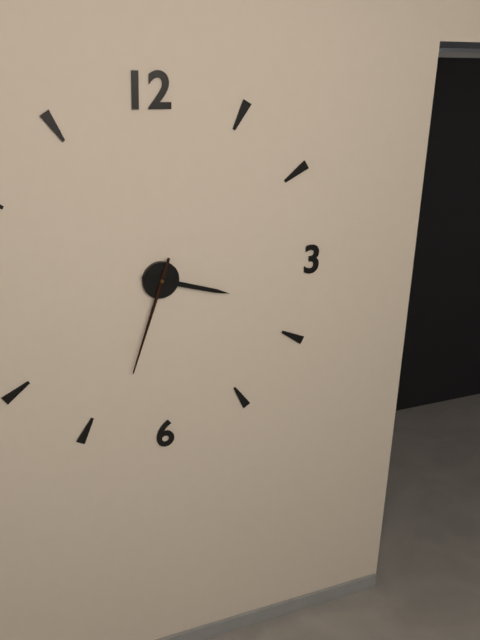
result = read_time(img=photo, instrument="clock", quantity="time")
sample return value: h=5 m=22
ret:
h=3 m=33
